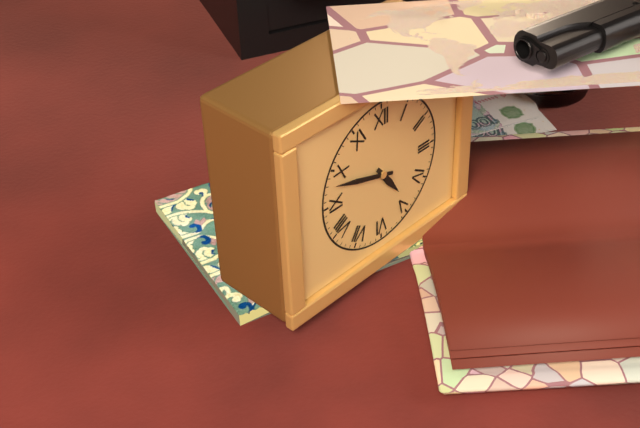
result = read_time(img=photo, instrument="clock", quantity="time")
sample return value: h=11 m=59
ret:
h=4 m=48
